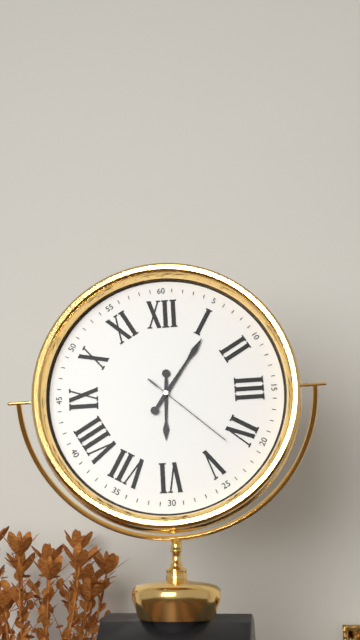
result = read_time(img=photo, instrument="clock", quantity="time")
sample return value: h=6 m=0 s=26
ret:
h=6 m=6 s=22
